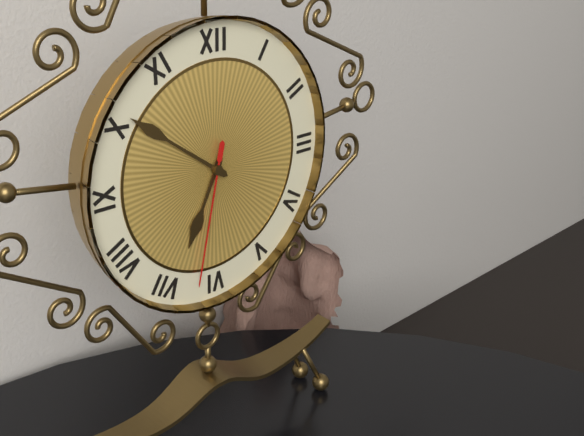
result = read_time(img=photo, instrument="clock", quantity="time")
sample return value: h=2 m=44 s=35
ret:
h=6 m=51 s=32
